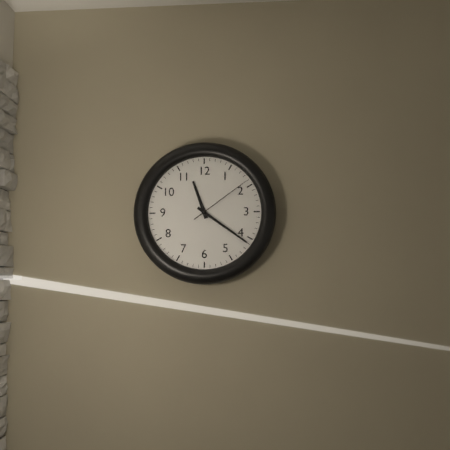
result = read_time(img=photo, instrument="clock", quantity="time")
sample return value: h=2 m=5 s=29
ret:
h=11 m=21 s=9
